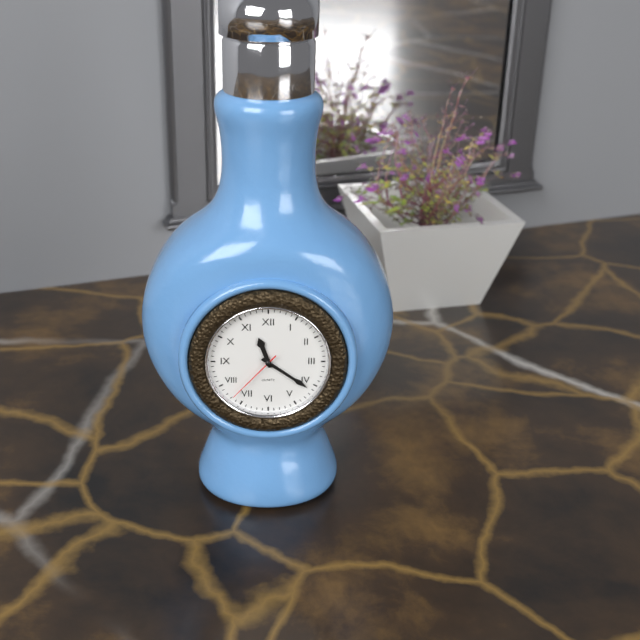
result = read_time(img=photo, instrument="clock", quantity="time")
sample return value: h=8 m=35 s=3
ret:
h=11 m=21 s=37
